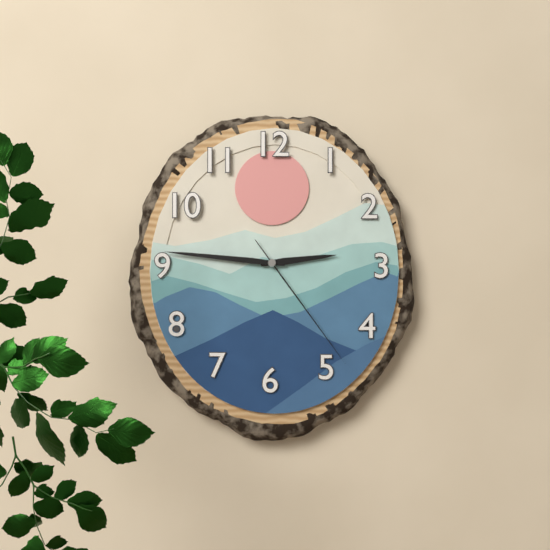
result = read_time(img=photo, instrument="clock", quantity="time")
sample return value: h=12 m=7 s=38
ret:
h=2 m=46 s=24
